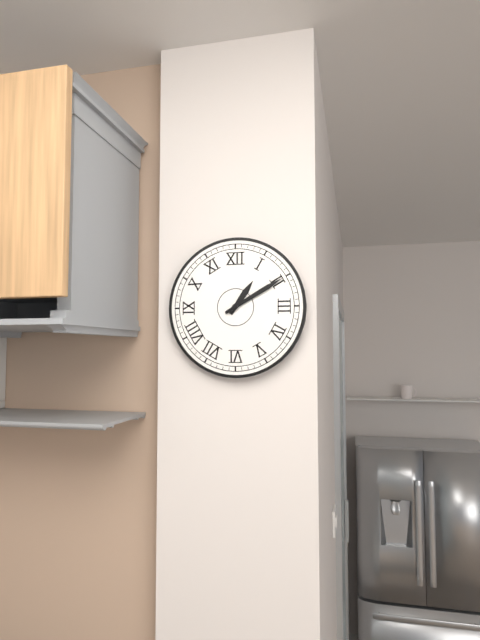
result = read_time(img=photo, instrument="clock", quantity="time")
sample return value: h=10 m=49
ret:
h=1 m=10
